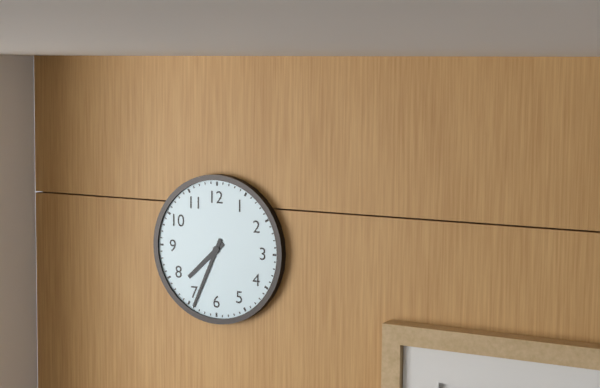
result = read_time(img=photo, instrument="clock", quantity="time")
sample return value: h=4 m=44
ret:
h=7 m=34
